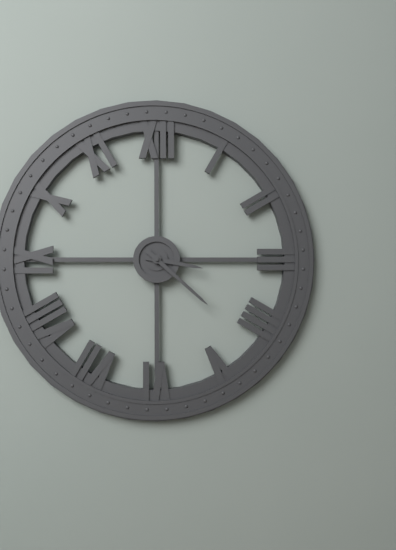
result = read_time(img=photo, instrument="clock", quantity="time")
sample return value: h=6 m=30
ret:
h=3 m=22
